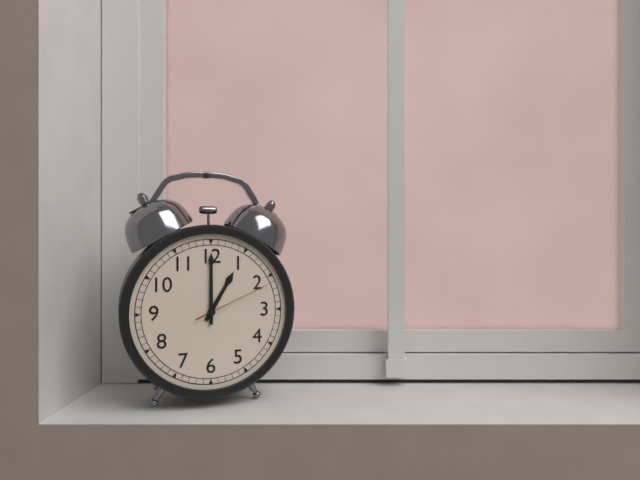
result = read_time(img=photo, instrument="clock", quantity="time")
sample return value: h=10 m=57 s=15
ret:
h=1 m=0 s=11
